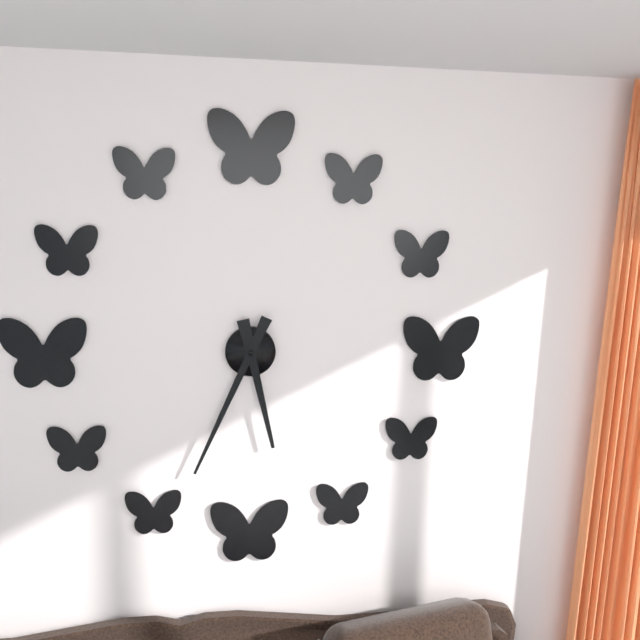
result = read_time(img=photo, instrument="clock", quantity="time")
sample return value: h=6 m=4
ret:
h=5 m=34
